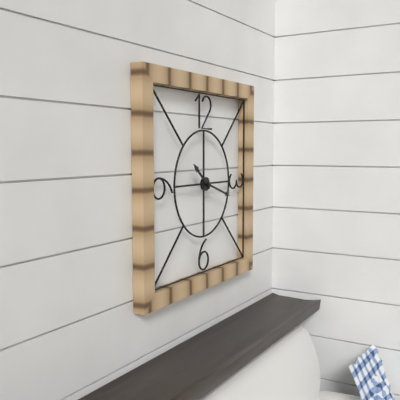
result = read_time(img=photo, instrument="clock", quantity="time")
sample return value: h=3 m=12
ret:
h=10 m=18
